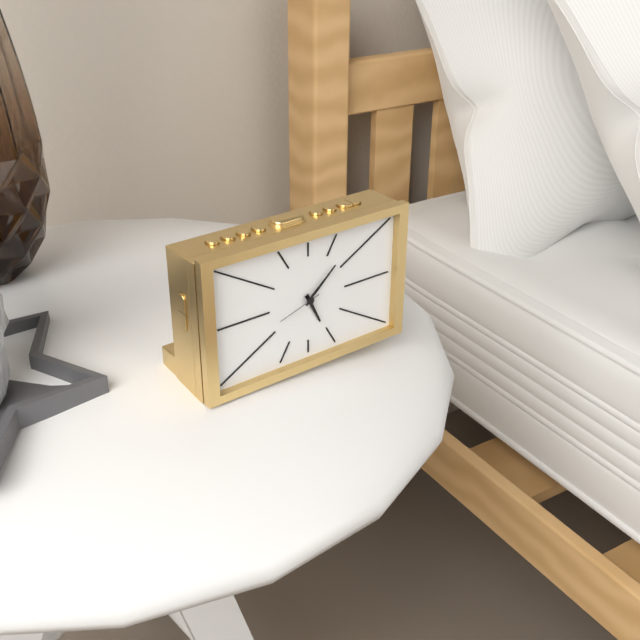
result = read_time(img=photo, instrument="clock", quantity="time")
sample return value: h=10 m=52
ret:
h=5 m=8
